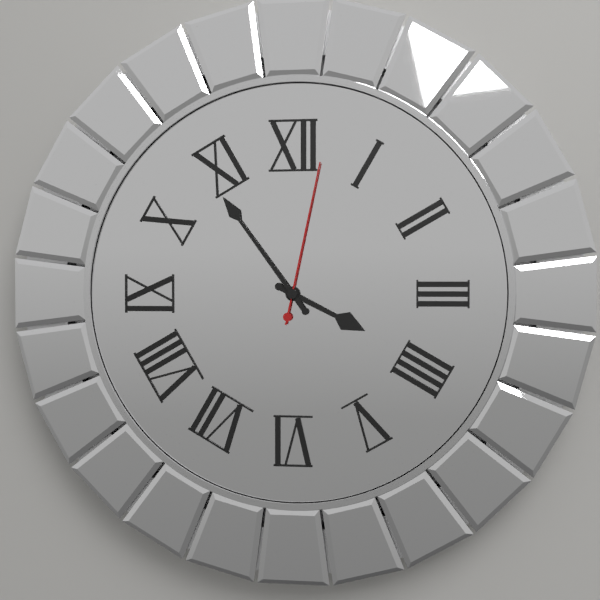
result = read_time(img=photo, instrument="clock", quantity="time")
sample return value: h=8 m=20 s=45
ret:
h=3 m=54 s=2
